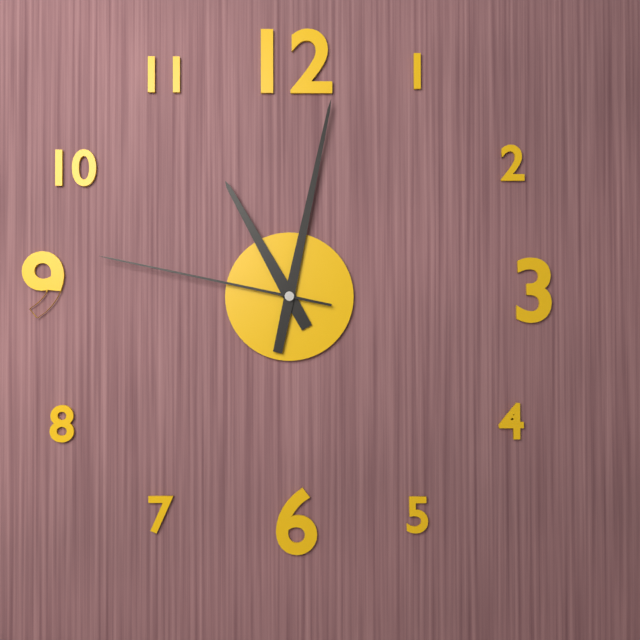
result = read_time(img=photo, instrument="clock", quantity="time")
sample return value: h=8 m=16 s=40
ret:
h=11 m=2 s=47
